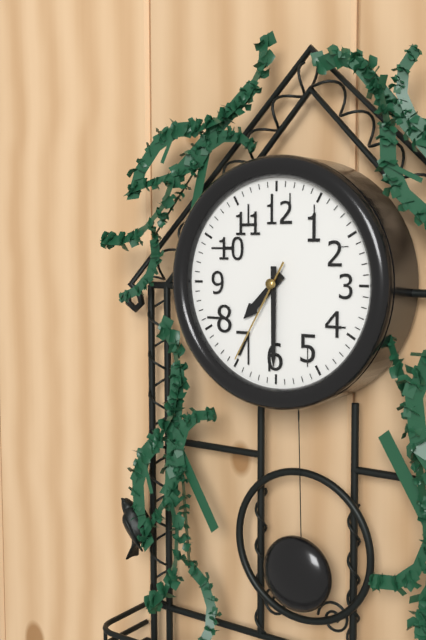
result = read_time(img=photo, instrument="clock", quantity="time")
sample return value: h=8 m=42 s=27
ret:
h=7 m=30 s=35
